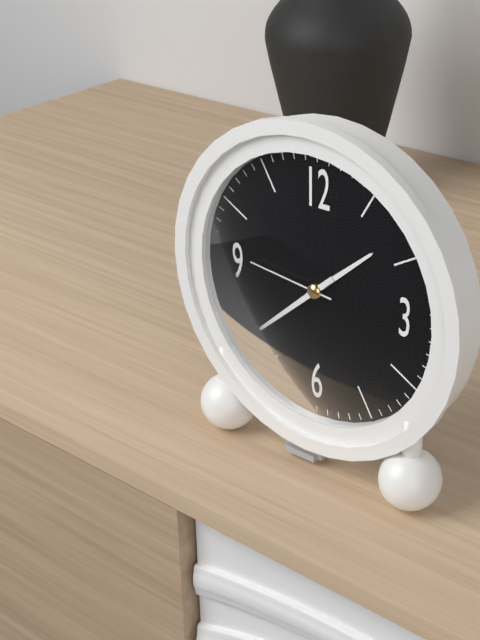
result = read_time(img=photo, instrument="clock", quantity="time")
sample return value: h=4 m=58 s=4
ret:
h=1 m=38 s=46
